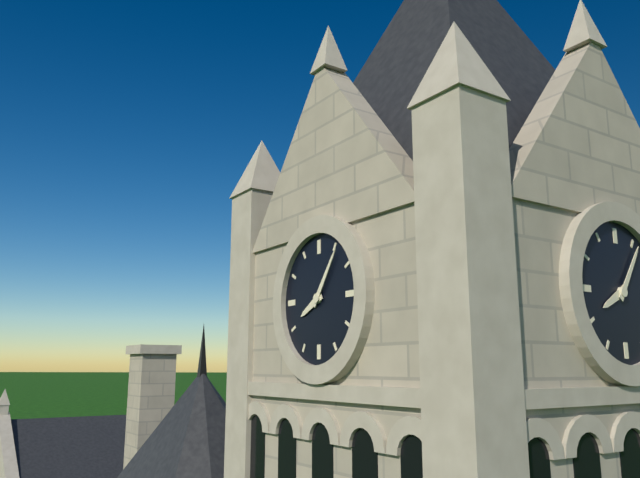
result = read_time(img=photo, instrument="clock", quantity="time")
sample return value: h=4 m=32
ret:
h=8 m=6
